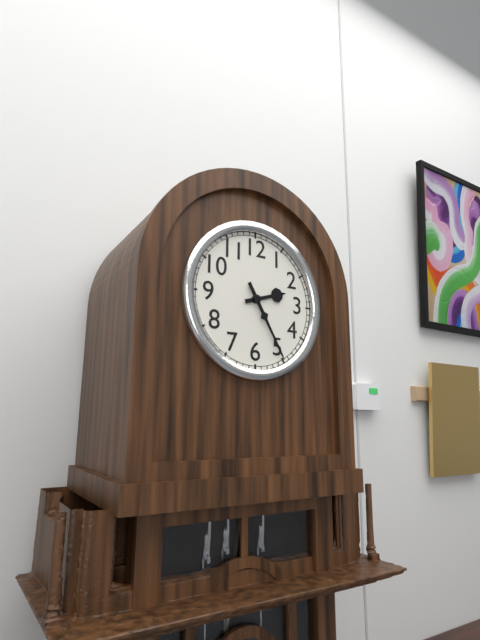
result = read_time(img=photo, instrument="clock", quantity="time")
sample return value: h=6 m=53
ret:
h=2 m=25
